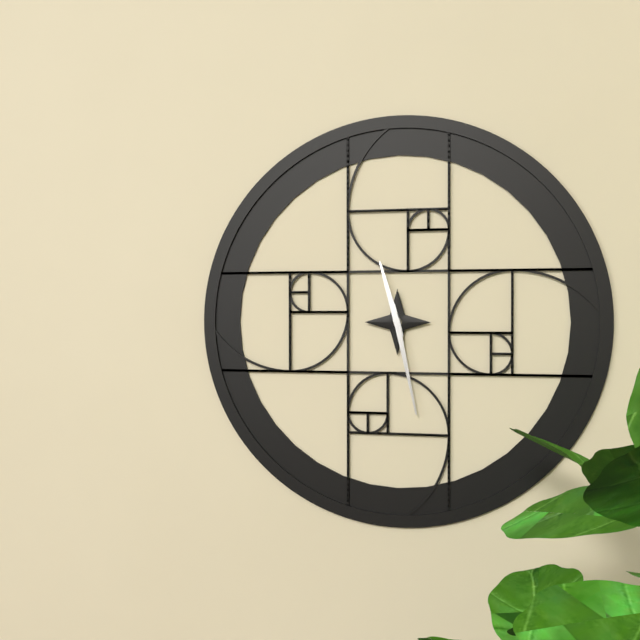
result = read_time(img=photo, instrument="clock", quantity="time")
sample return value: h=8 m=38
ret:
h=11 m=28
